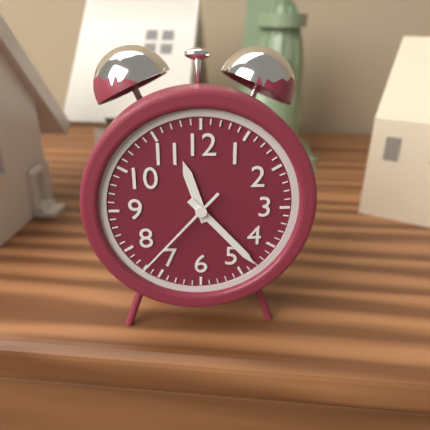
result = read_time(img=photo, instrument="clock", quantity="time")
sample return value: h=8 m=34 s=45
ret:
h=11 m=23 s=37
